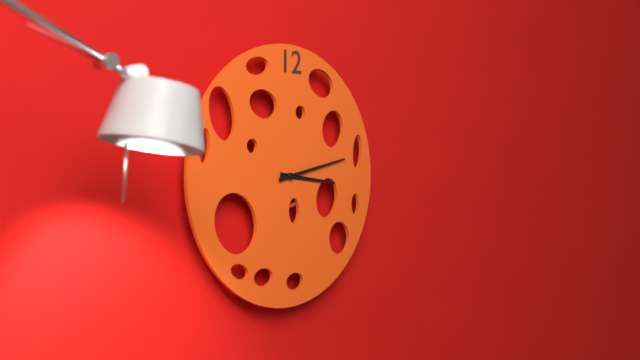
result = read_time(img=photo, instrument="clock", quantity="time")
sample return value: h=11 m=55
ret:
h=3 m=13
